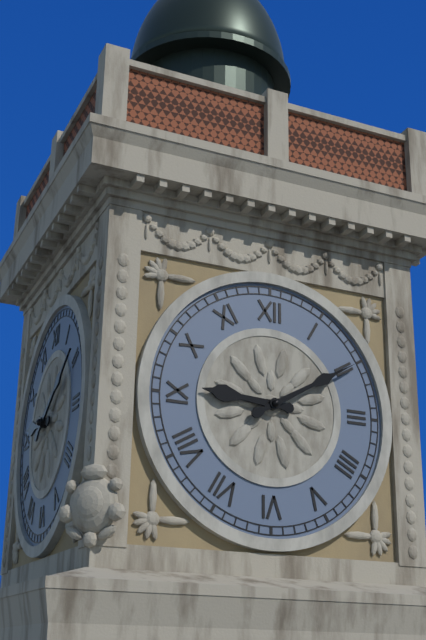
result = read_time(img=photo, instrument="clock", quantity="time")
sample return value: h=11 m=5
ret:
h=9 m=10
